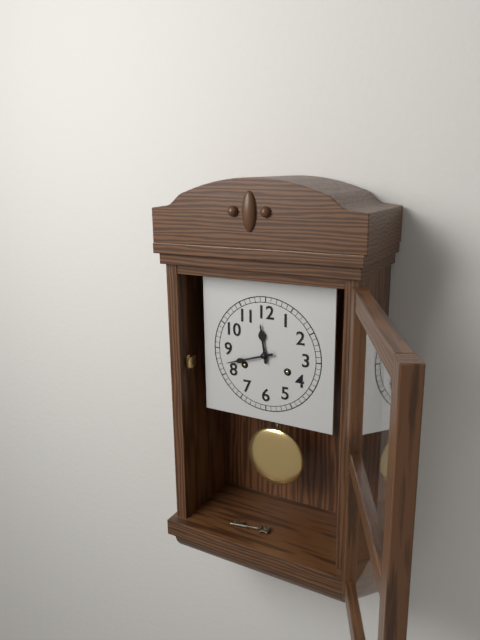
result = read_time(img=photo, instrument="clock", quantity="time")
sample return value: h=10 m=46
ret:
h=11 m=42
